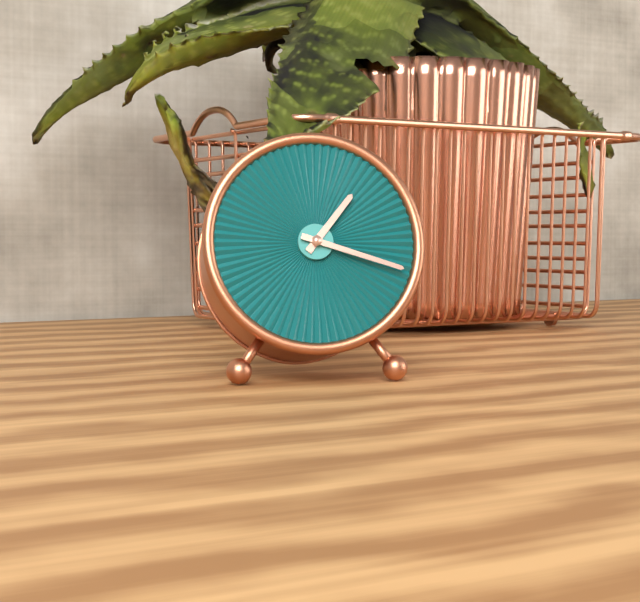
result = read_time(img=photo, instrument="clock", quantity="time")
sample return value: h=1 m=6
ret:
h=1 m=18
